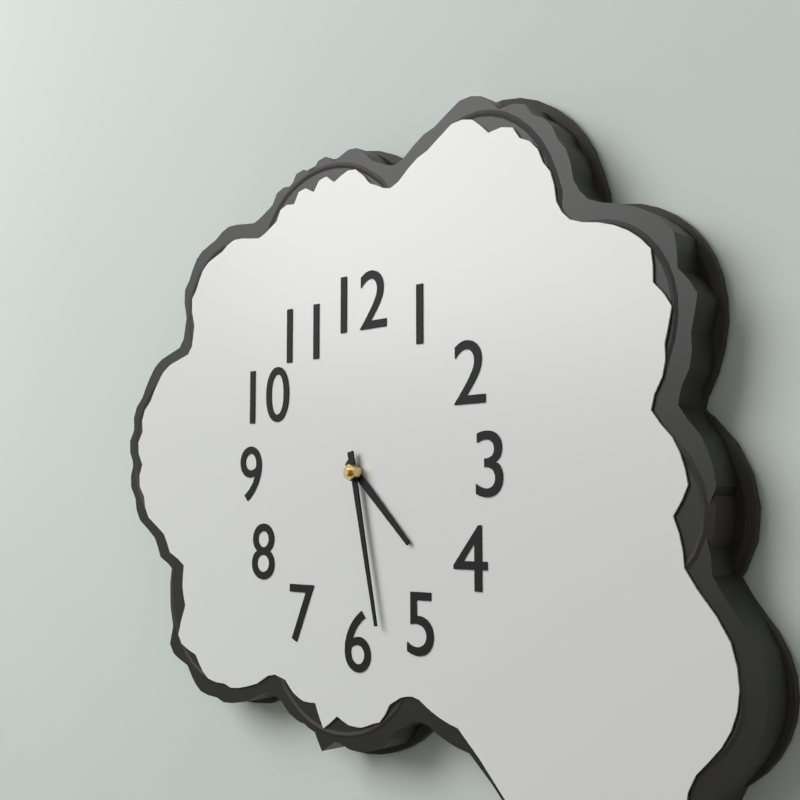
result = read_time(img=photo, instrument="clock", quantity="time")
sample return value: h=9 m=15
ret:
h=4 m=28
